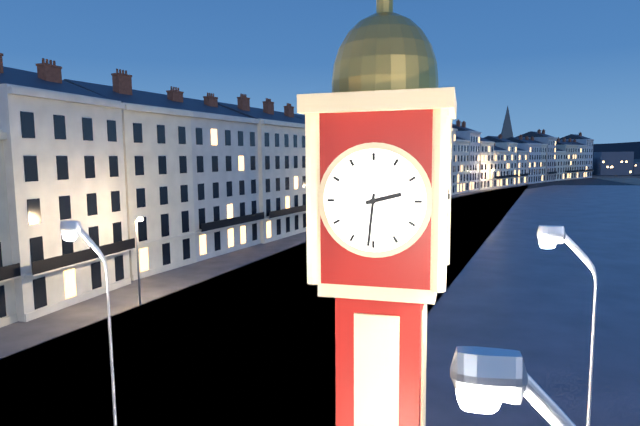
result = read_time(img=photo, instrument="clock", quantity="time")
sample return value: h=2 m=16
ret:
h=2 m=31
